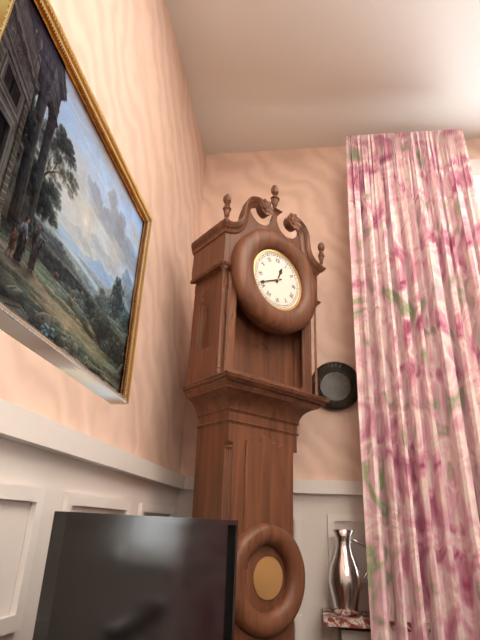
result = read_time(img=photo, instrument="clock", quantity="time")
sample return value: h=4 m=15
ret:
h=12 m=41
